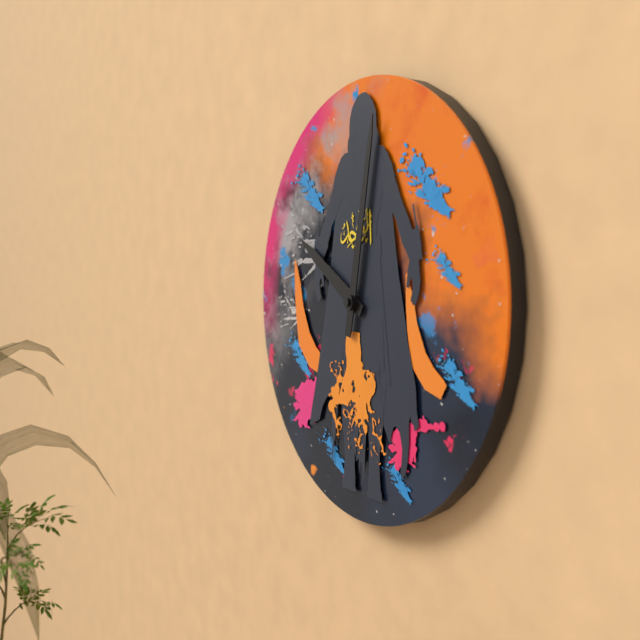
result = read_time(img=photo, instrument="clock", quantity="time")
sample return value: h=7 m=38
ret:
h=10 m=2
